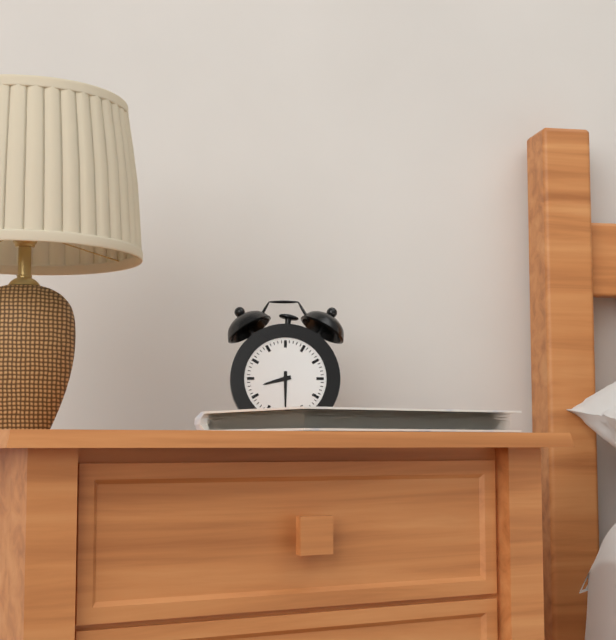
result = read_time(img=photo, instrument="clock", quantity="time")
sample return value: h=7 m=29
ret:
h=8 m=30
